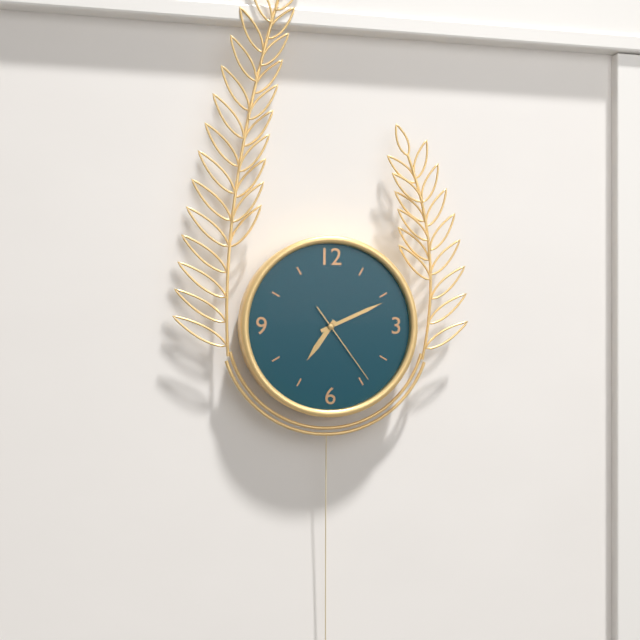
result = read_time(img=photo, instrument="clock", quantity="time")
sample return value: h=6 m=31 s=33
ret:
h=7 m=11 s=24
